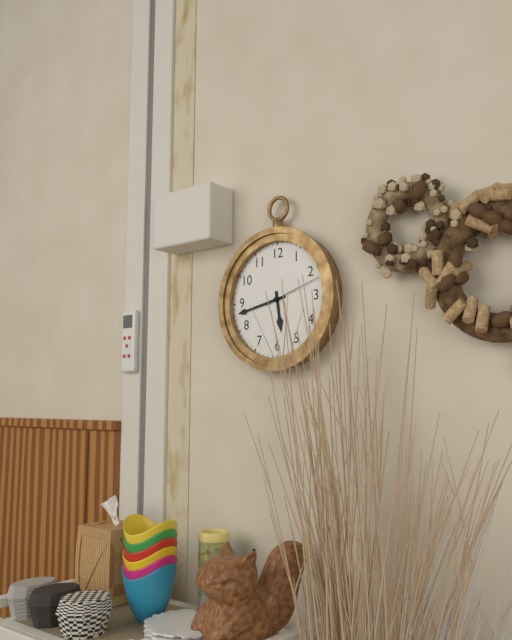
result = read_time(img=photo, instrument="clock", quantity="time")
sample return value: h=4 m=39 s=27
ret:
h=5 m=43 s=12
